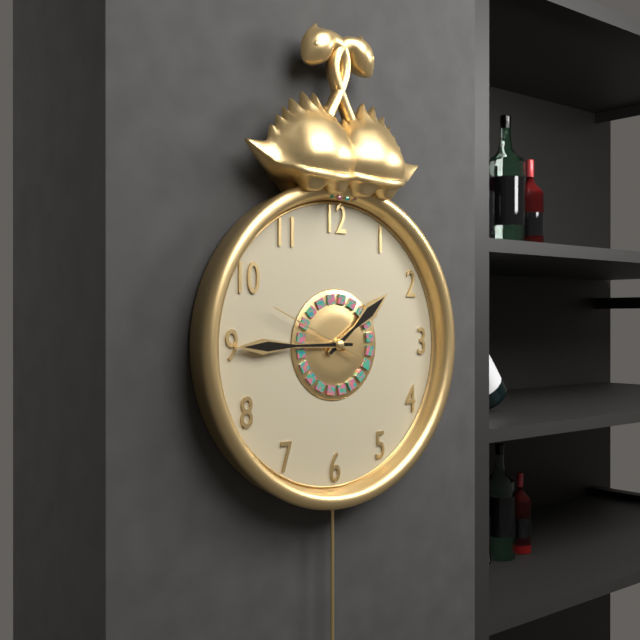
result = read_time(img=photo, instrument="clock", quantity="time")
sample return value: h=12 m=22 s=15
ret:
h=1 m=45 s=49
